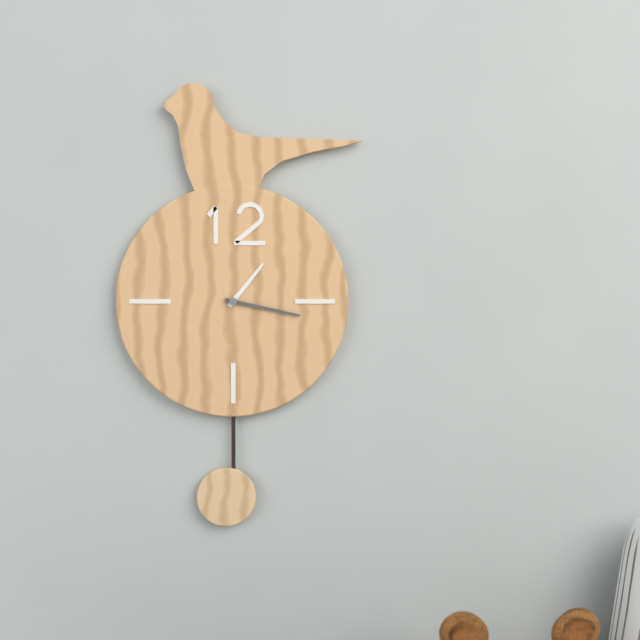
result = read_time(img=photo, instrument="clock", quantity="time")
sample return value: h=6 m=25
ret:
h=1 m=17
